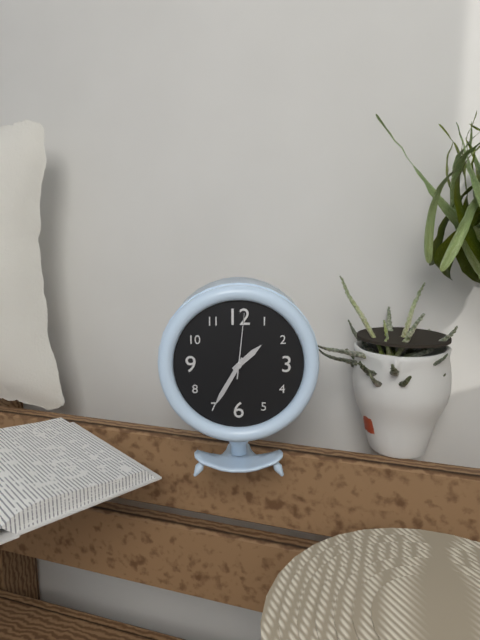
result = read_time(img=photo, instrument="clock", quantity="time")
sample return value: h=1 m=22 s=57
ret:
h=1 m=35 s=1
